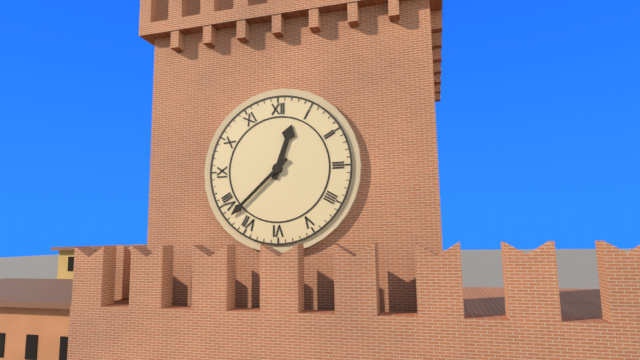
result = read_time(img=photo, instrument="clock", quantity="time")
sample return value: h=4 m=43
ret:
h=12 m=38
